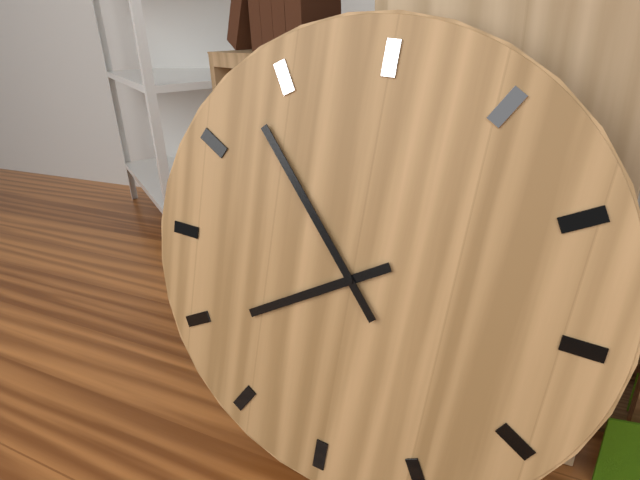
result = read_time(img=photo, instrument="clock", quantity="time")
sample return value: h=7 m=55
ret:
h=7 m=53
